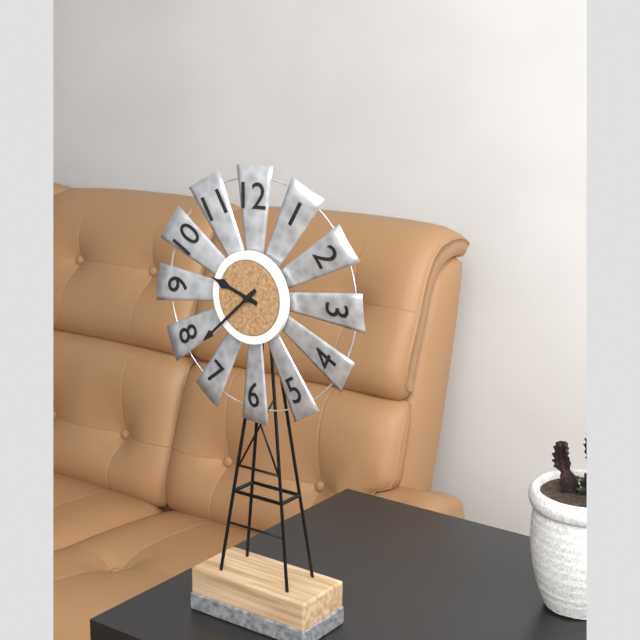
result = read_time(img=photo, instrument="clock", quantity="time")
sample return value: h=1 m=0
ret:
h=9 m=38
